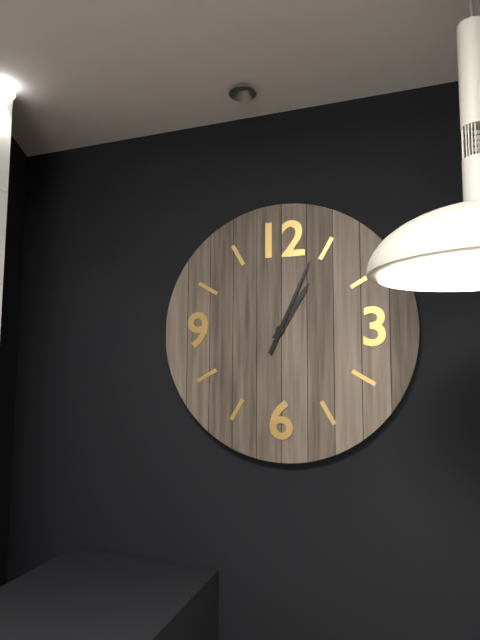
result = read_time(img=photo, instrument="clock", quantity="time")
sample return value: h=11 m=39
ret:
h=1 m=4
